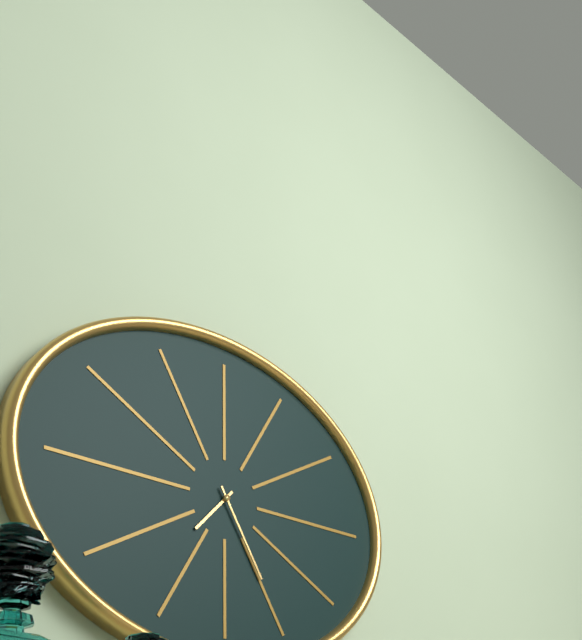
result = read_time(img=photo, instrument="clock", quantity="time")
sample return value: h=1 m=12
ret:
h=7 m=25
